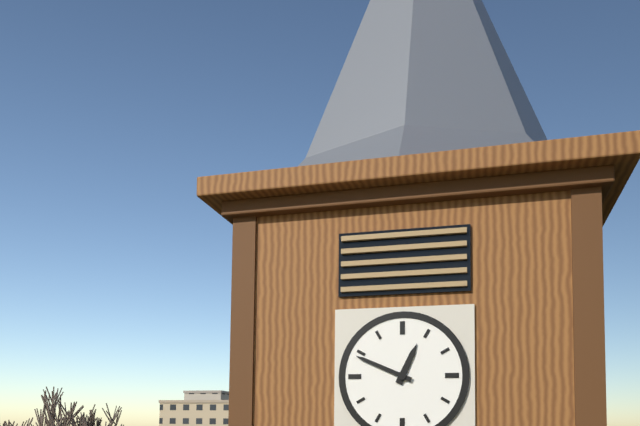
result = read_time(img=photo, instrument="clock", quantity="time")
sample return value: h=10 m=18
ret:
h=12 m=49
